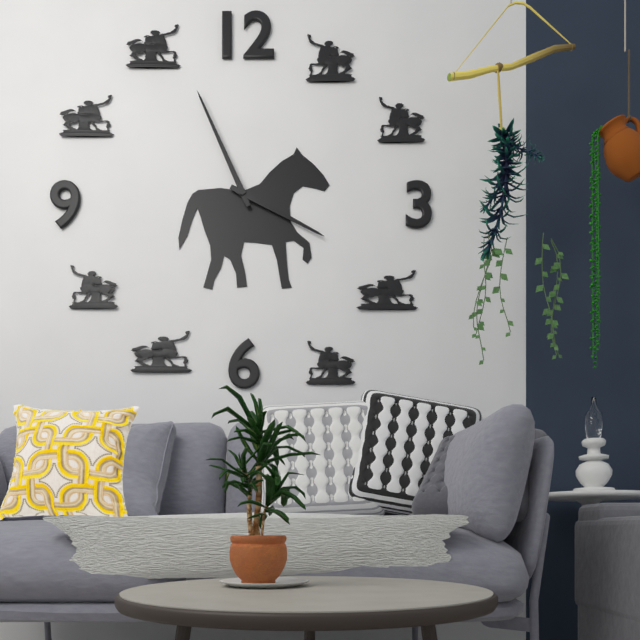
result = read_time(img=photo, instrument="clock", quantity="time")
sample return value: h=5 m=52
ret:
h=3 m=56
